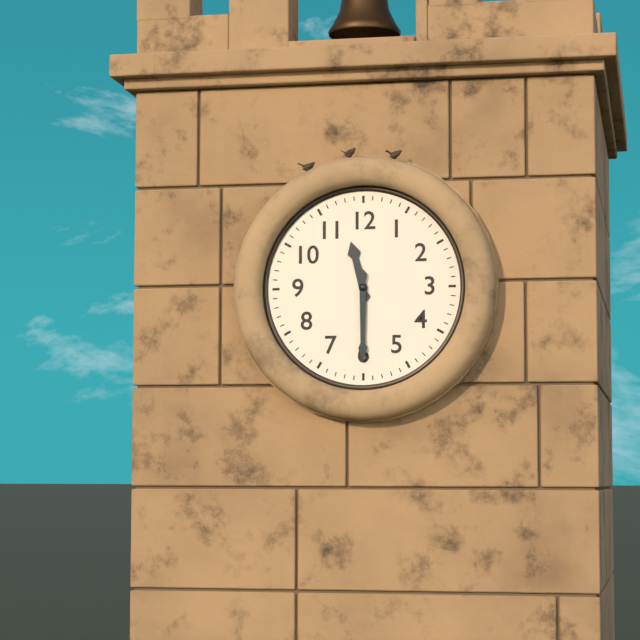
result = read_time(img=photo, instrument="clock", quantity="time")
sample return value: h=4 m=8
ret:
h=11 m=30
